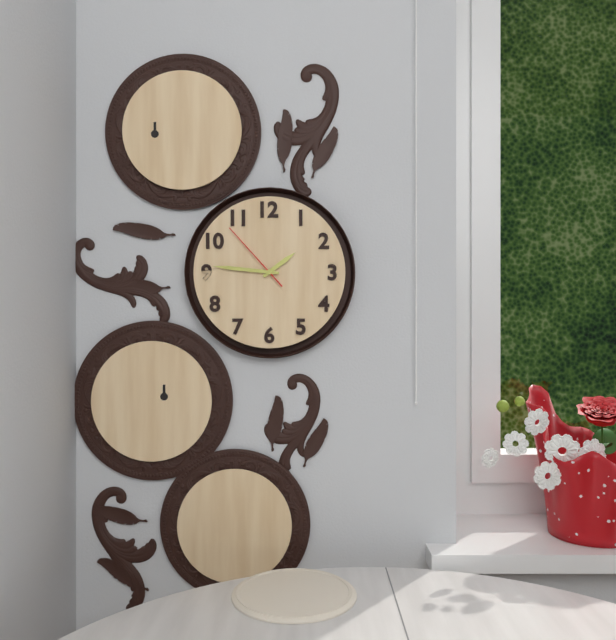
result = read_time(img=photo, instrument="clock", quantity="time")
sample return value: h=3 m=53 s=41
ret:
h=1 m=46 s=53
